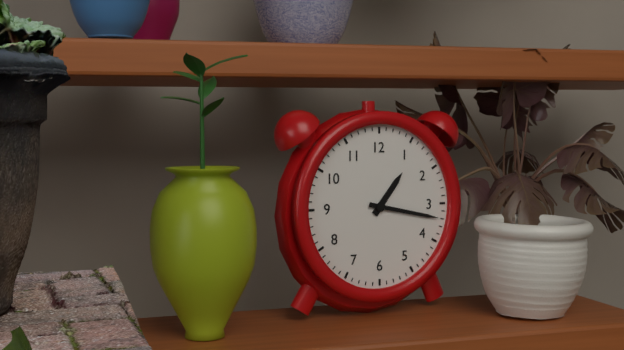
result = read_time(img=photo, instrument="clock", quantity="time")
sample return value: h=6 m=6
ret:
h=1 m=17
